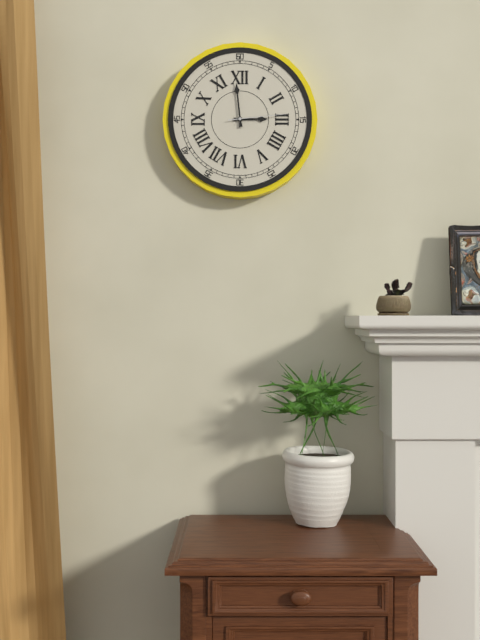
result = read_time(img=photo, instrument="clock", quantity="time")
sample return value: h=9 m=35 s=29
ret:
h=2 m=59 s=14
